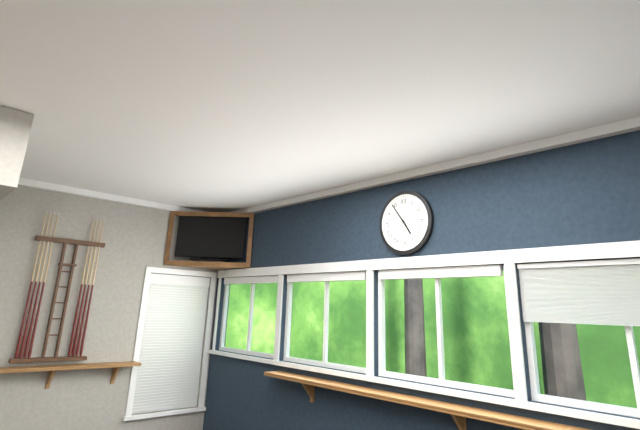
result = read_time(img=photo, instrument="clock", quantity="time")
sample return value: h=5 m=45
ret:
h=4 m=54
